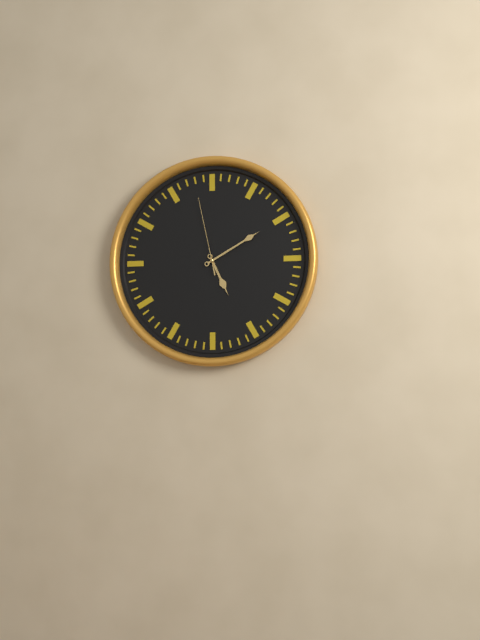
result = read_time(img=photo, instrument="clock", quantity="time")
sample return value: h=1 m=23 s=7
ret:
h=5 m=10 s=58
